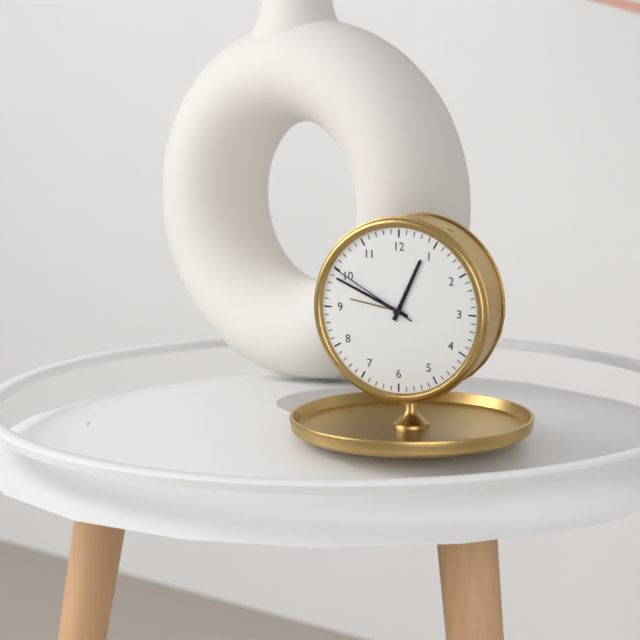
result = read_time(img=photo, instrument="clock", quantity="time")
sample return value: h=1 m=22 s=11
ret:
h=12 m=49 s=50
